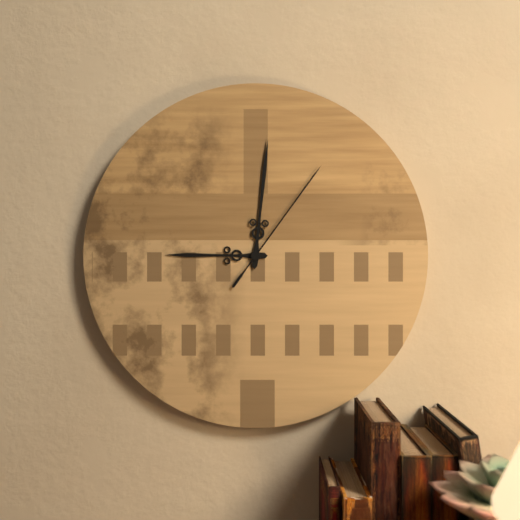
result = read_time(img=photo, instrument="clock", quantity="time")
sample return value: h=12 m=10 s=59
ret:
h=9 m=1 s=6
